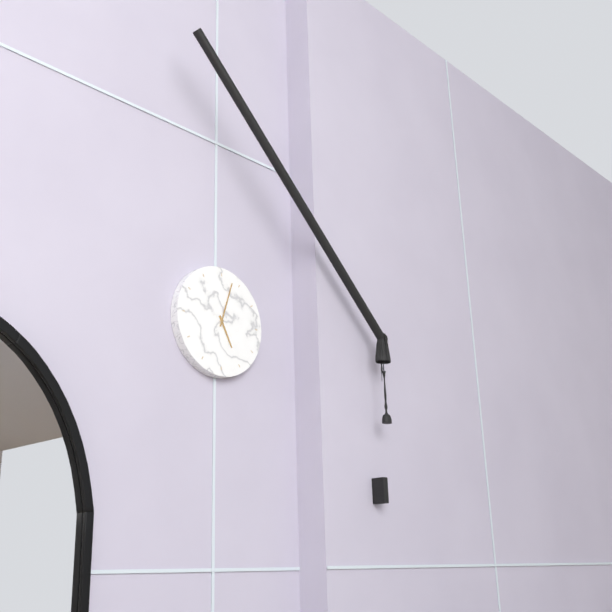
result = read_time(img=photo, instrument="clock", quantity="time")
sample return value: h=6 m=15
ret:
h=5 m=3
